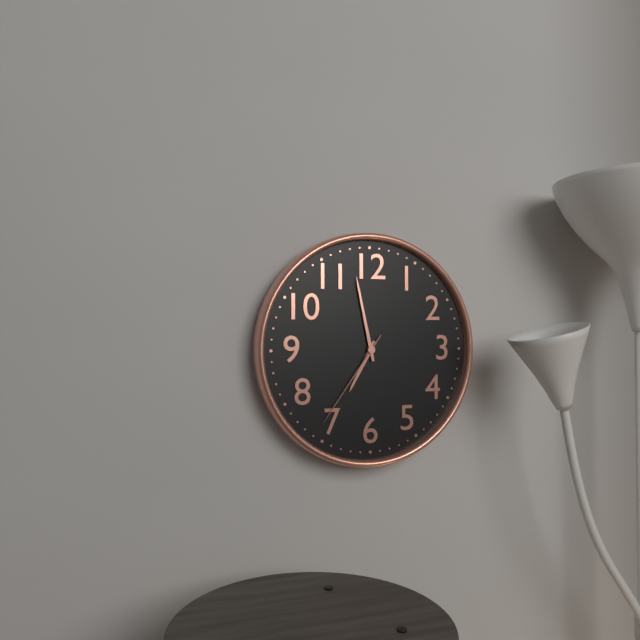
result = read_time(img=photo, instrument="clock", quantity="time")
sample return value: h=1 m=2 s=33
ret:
h=6 m=58 s=36
